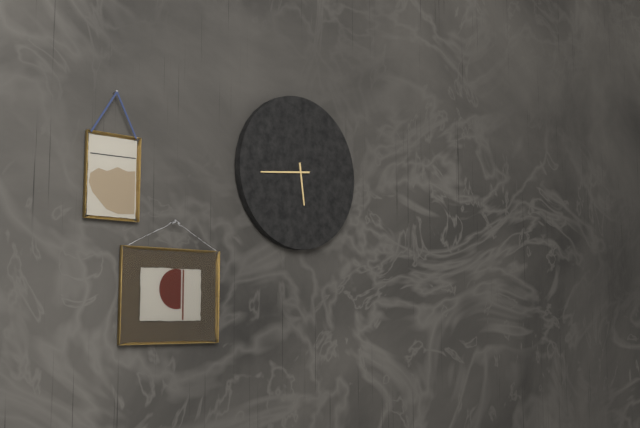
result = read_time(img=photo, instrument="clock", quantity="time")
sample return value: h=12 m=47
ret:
h=5 m=44
